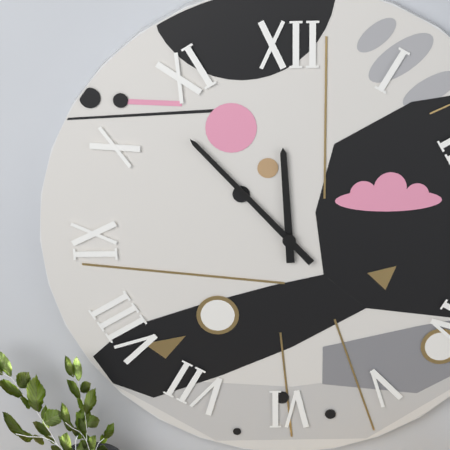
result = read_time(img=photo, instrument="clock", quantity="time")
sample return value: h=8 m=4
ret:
h=11 m=53
